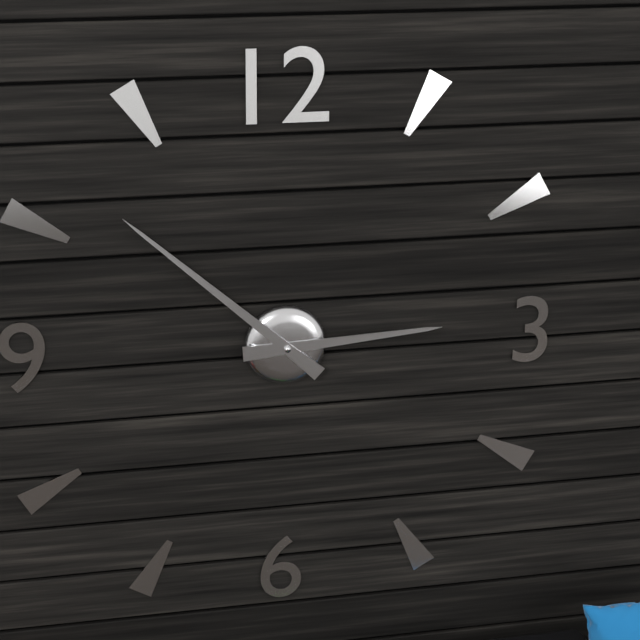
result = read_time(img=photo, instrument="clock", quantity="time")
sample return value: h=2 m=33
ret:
h=2 m=52
